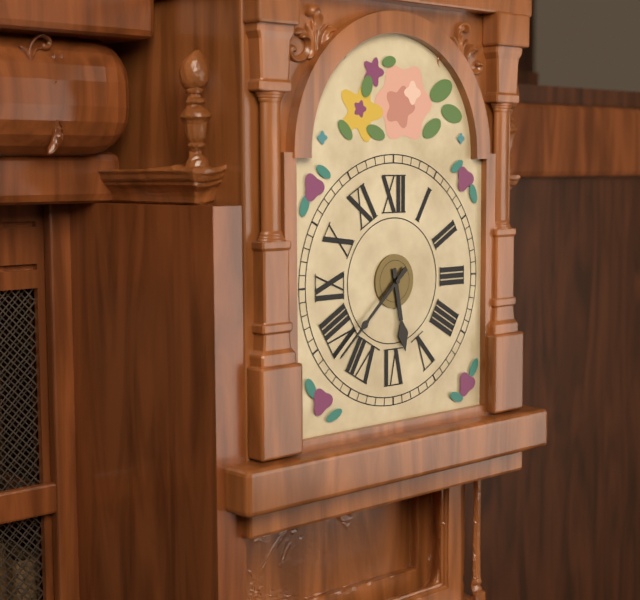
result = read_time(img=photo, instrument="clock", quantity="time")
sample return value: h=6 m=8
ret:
h=5 m=38
